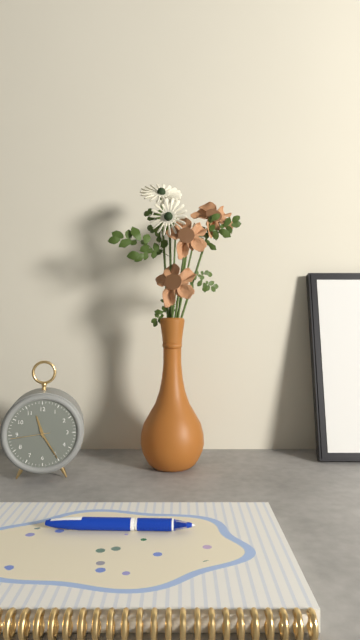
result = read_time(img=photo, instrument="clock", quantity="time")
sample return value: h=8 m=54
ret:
h=11 m=25
